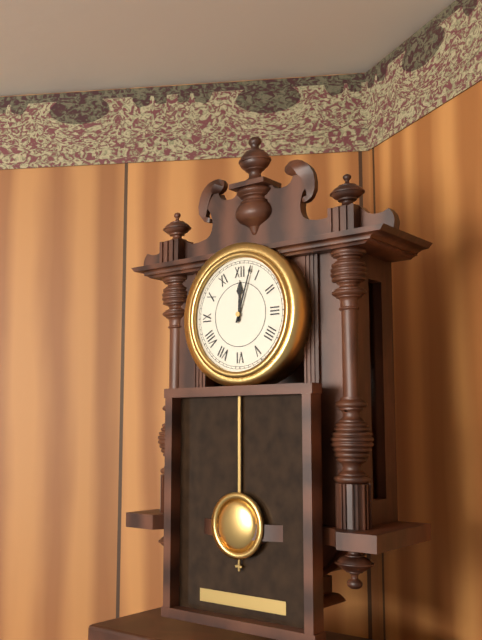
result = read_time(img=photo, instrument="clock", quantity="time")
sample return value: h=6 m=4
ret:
h=12 m=3
